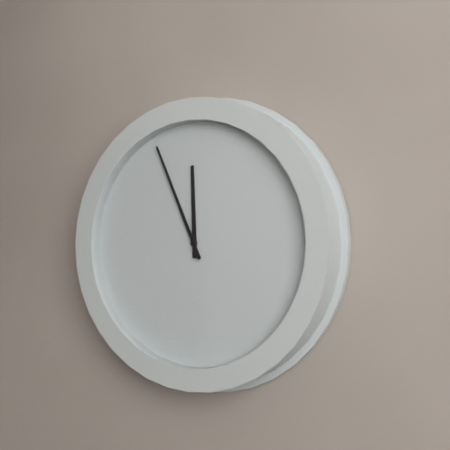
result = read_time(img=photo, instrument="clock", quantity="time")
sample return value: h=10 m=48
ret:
h=11 m=56
